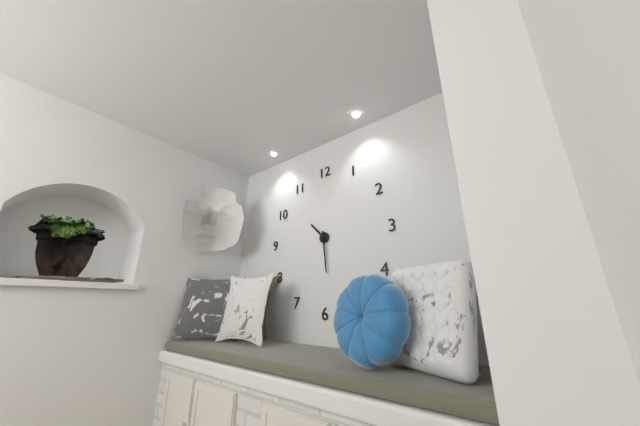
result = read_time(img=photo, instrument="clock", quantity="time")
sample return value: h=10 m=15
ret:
h=10 m=29
